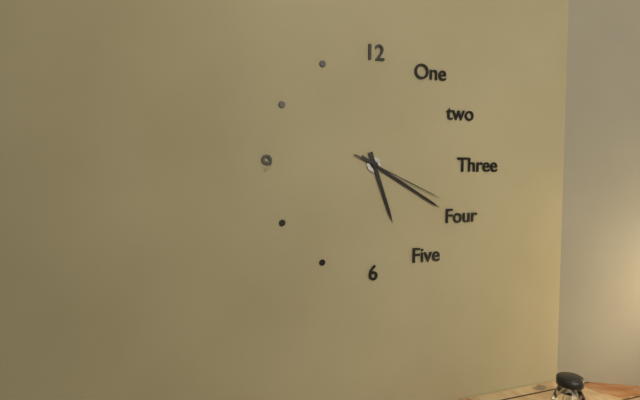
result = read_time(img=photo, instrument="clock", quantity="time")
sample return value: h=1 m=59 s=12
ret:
h=5 m=20 s=19
